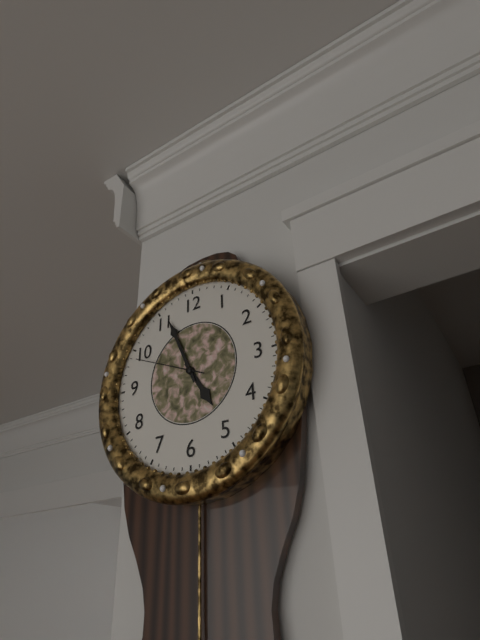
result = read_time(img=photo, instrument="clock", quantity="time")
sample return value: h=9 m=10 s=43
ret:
h=4 m=56 s=49
